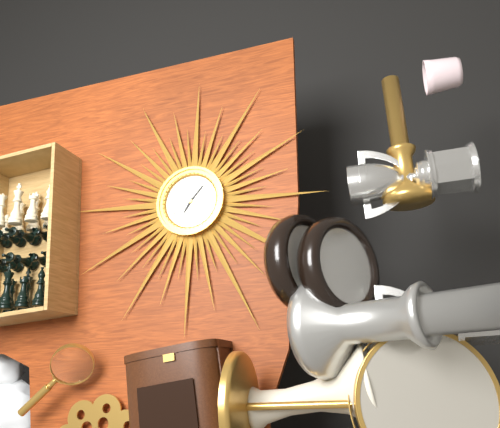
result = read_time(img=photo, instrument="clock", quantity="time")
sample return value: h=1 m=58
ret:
h=7 m=7
